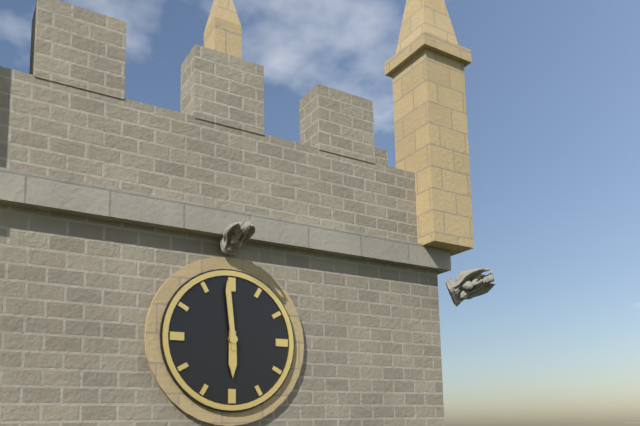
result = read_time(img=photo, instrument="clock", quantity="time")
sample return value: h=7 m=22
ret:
h=5 m=59
